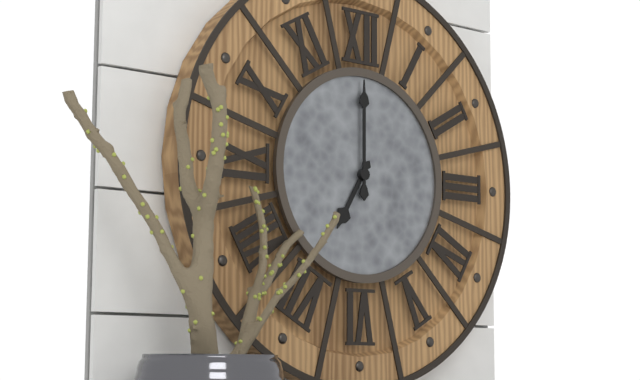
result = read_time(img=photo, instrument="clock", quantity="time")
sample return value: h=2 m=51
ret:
h=7 m=0
